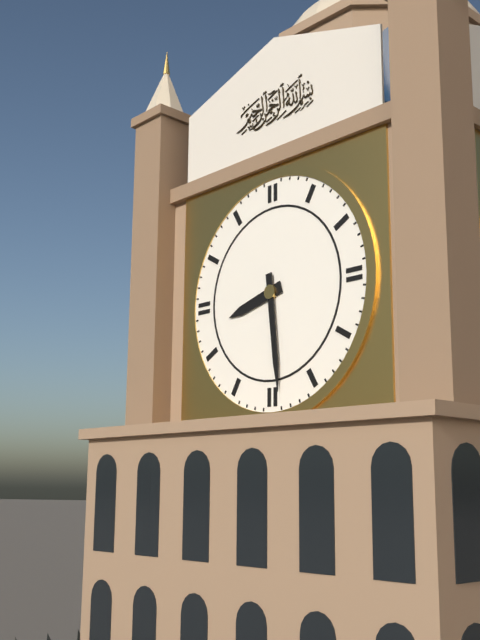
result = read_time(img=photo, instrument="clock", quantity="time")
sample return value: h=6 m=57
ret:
h=8 m=29
